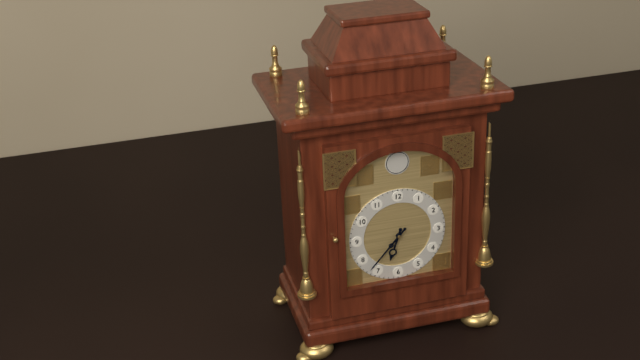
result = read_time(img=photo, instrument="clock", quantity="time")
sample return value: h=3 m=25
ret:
h=6 m=37
